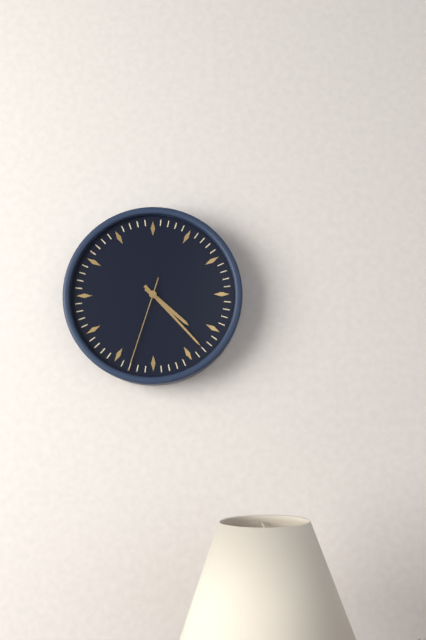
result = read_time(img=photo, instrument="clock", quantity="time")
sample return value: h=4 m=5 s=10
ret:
h=4 m=23 s=33
